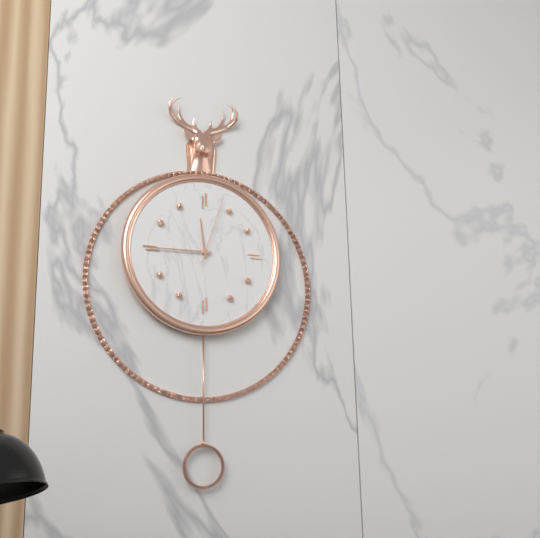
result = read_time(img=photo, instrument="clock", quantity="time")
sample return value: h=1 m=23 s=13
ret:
h=11 m=45 s=3
